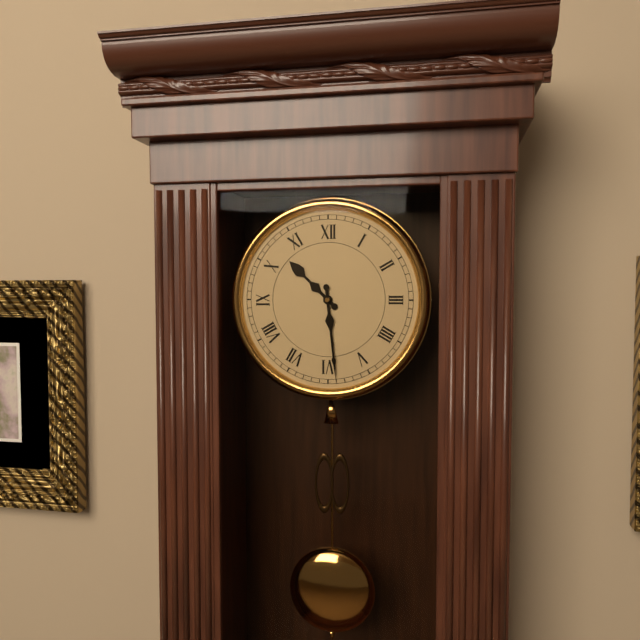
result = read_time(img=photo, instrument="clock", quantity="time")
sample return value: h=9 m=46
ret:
h=10 m=29
